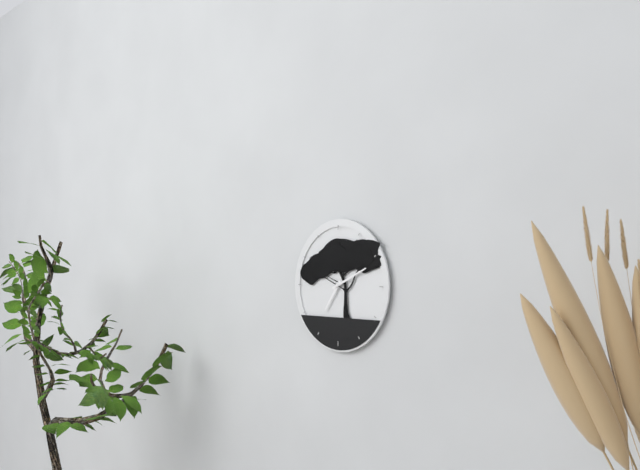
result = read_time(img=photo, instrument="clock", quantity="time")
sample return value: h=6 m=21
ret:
h=7 m=11
